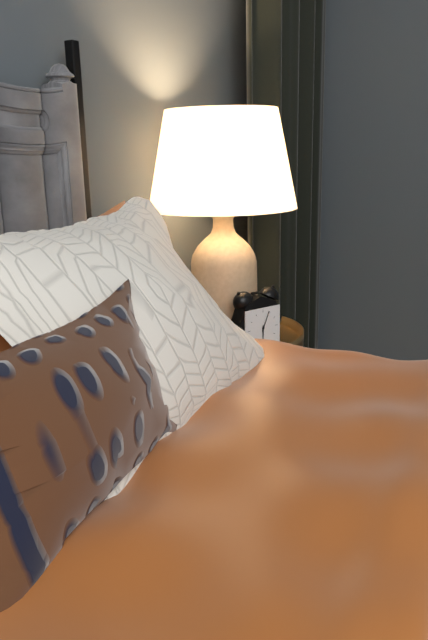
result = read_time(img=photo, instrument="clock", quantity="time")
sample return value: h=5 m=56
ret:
h=6 m=4
